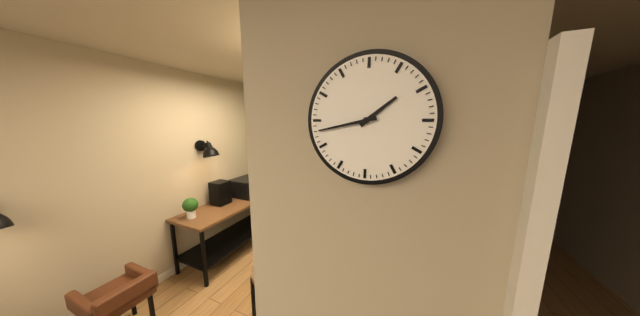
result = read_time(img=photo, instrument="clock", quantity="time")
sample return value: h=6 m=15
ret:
h=1 m=43
